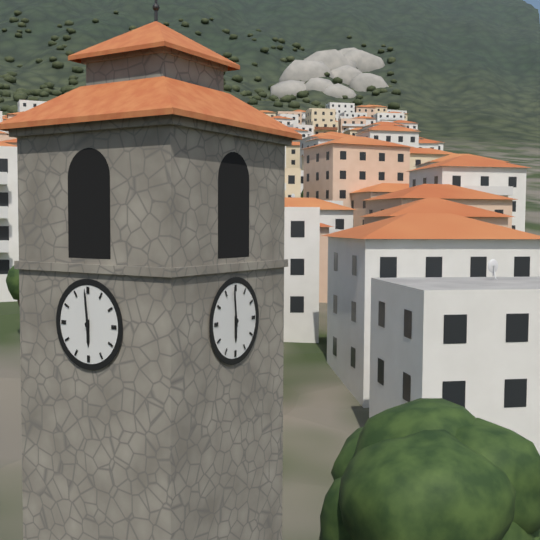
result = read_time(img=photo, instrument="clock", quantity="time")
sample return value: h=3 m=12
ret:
h=5 m=59
